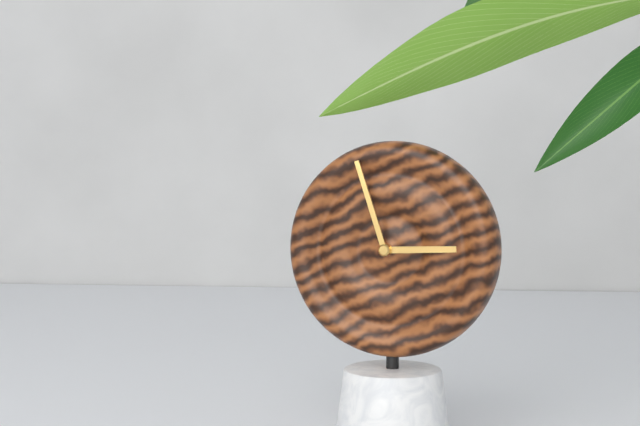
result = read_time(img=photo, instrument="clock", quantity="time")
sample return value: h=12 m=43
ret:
h=2 m=57
